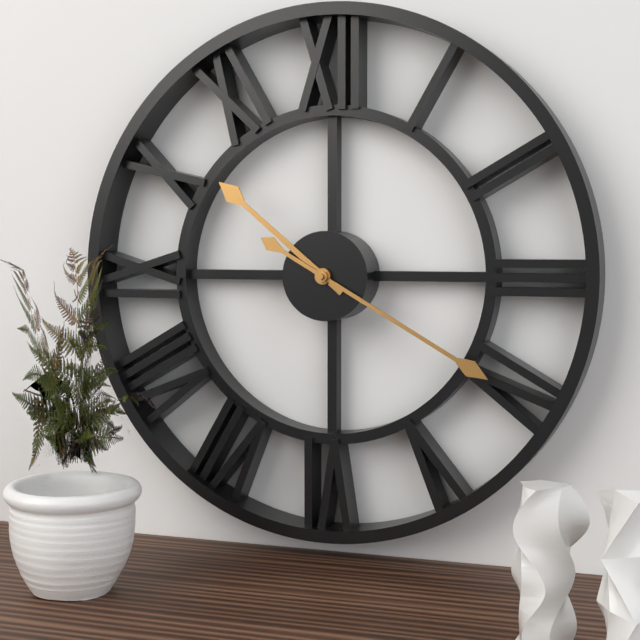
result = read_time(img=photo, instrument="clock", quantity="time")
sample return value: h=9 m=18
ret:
h=10 m=20
